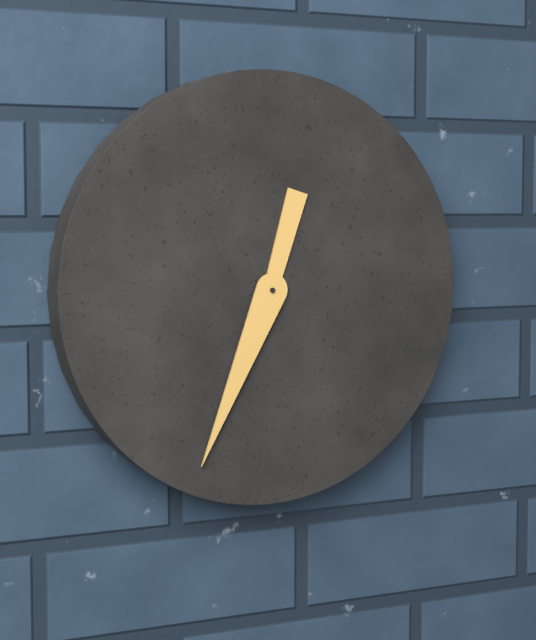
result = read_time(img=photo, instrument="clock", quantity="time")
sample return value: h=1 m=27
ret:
h=12 m=34
